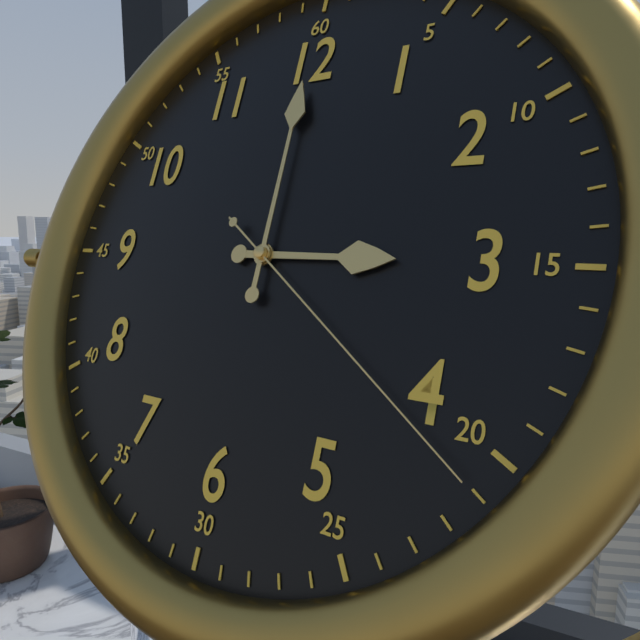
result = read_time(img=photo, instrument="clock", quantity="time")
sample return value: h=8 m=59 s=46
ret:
h=3 m=0 s=21
